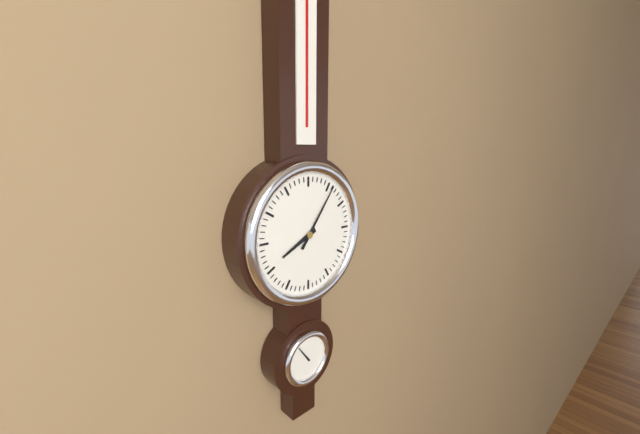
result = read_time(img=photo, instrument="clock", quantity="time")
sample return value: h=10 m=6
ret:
h=8 m=6
